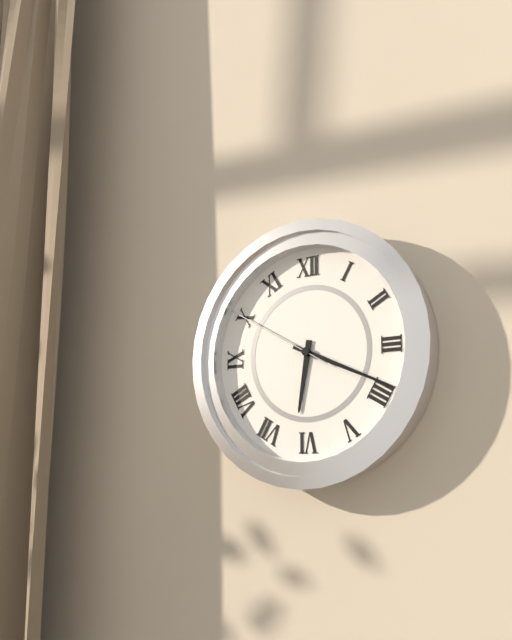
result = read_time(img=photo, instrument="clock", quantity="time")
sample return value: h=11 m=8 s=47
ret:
h=6 m=19 s=50
